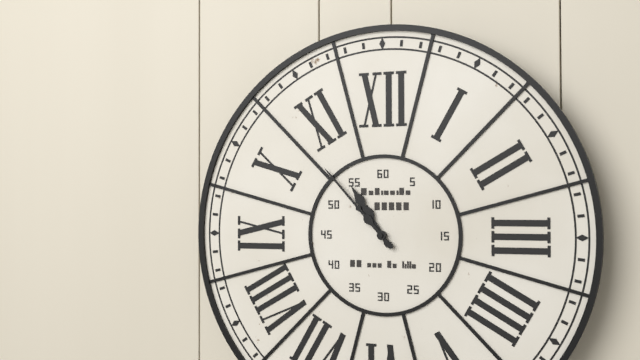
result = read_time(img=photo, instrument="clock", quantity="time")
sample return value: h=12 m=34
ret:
h=10 m=53
